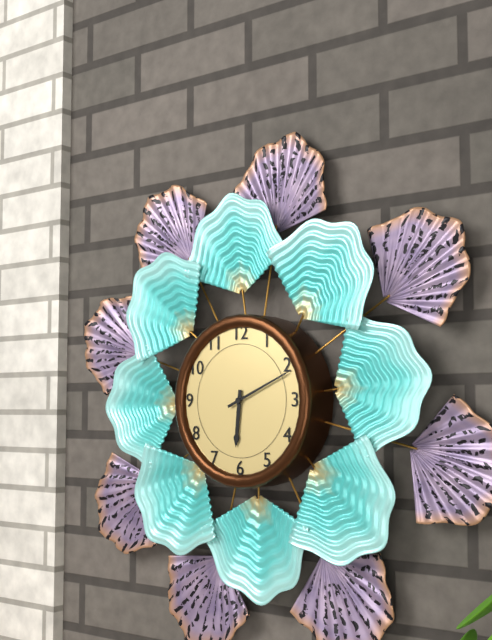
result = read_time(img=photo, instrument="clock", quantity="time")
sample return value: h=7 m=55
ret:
h=6 m=11
